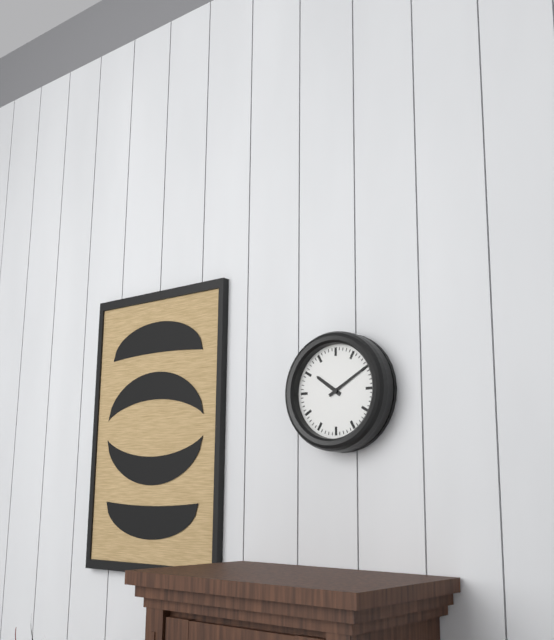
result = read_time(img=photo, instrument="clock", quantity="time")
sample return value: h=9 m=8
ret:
h=10 m=10
